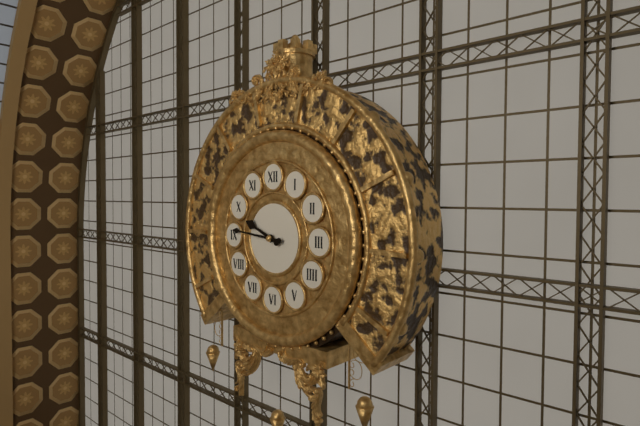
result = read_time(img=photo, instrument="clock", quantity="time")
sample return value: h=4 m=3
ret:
h=9 m=46
